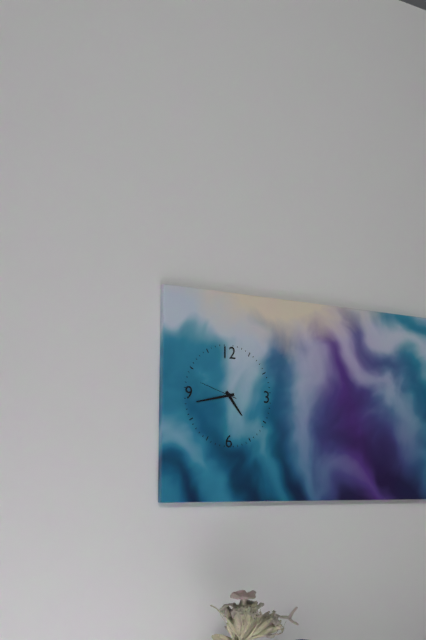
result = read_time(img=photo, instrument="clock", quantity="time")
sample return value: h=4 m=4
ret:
h=4 m=43
